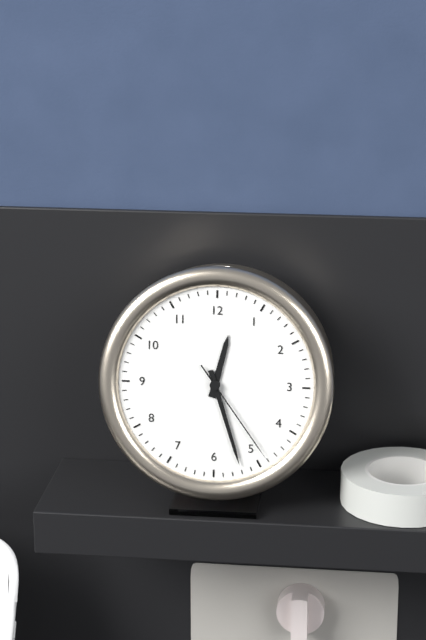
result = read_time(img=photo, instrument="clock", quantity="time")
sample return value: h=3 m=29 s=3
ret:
h=12 m=27 s=24
